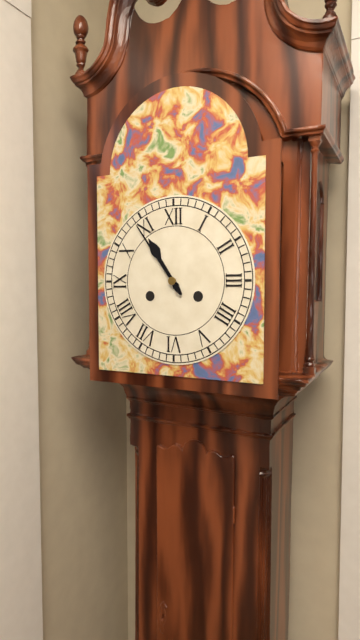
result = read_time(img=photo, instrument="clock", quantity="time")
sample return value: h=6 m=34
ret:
h=10 m=54
